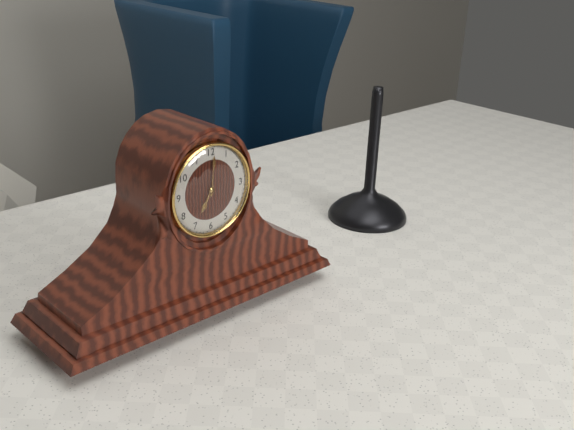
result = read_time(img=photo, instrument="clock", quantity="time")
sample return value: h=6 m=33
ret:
h=7 m=1
